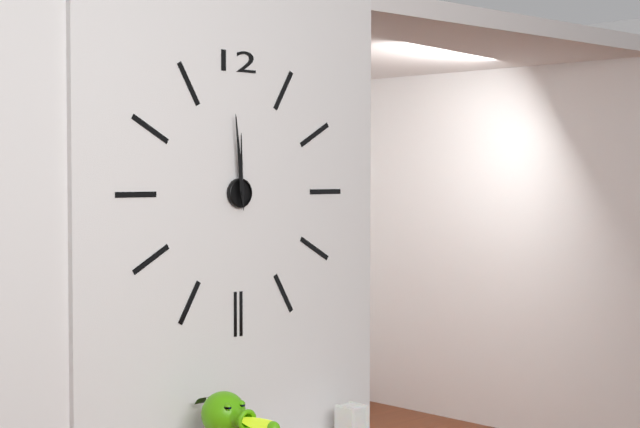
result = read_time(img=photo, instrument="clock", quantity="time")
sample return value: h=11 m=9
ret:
h=11 m=59
